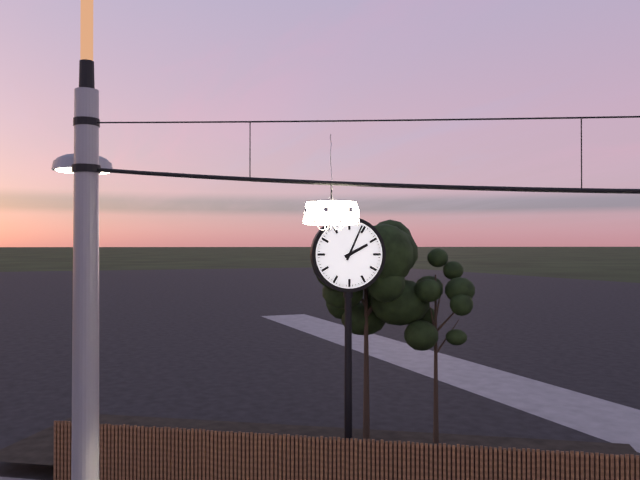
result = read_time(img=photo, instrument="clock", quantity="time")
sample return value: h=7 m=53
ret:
h=2 m=4
